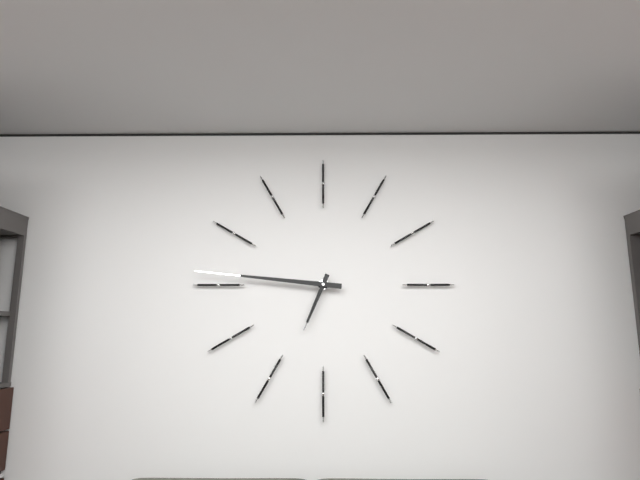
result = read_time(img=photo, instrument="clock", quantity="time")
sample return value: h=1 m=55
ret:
h=6 m=46
